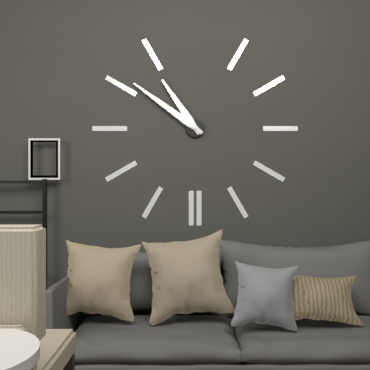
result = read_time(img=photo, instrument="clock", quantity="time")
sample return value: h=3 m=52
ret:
h=10 m=51
